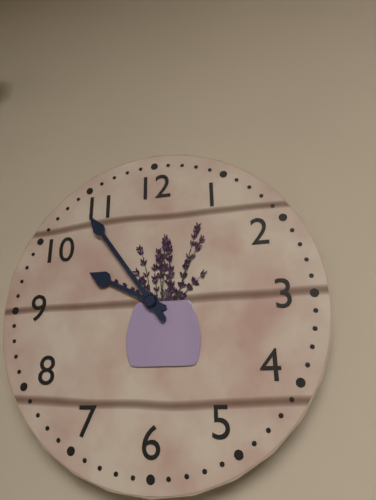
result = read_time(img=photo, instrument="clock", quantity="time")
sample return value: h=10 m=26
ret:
h=9 m=54
